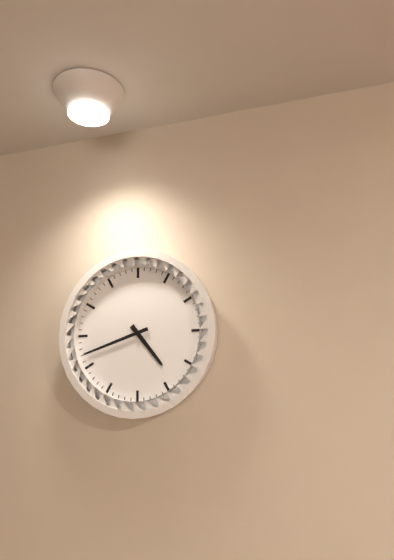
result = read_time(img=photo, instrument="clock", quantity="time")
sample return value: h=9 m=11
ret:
h=4 m=42
